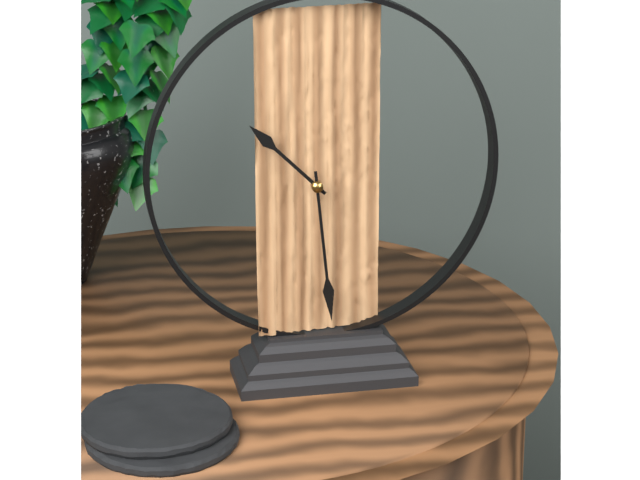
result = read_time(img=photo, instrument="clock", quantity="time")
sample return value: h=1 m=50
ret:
h=10 m=29
